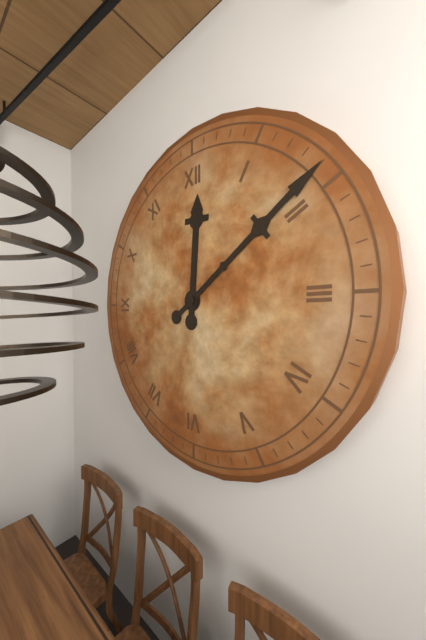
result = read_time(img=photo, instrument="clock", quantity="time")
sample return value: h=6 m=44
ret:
h=12 m=9
